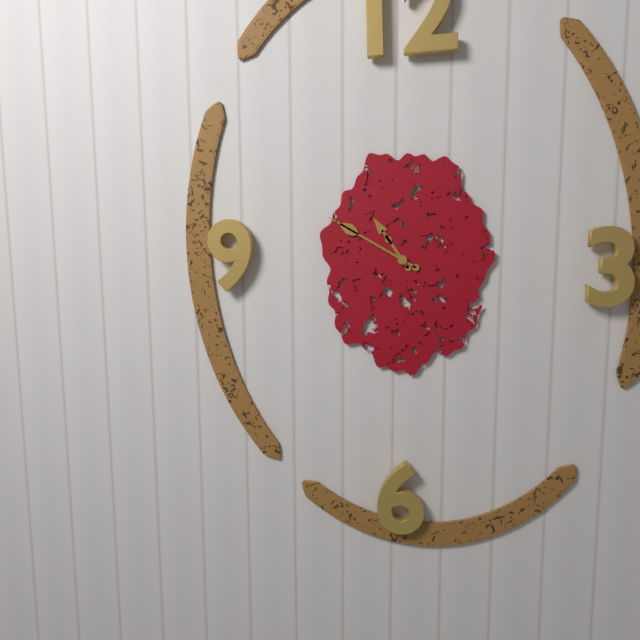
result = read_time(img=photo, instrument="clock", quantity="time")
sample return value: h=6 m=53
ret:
h=10 m=50
